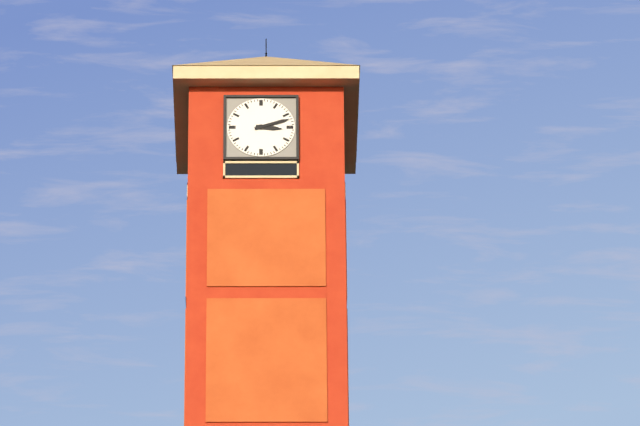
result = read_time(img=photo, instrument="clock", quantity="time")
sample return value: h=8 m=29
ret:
h=3 m=12
